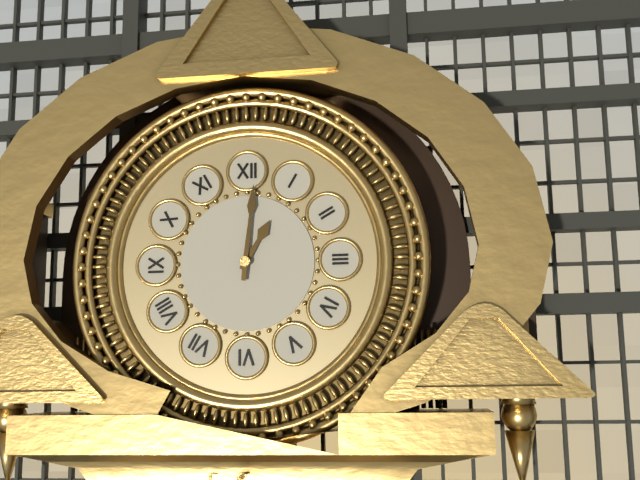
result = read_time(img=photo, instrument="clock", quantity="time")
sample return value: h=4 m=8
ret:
h=1 m=1
